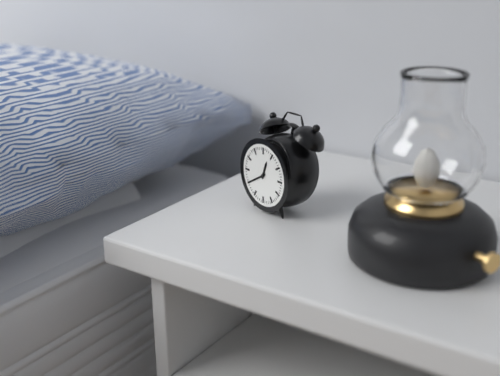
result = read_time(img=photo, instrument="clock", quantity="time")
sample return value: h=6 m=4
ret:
h=12 m=40
